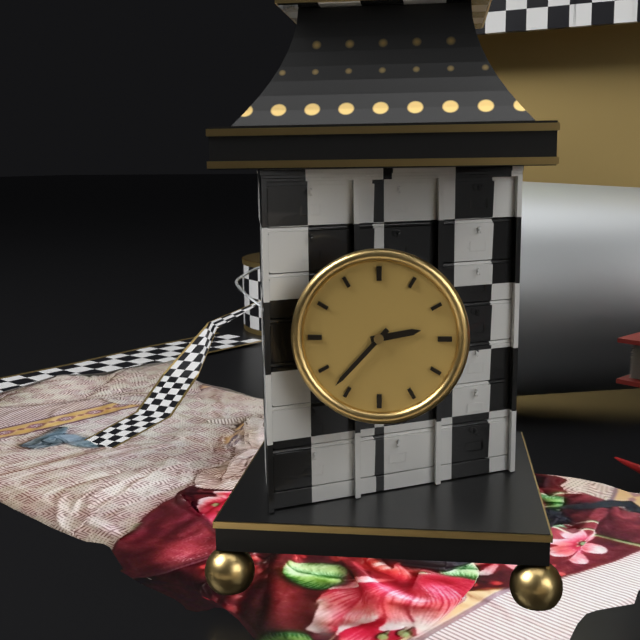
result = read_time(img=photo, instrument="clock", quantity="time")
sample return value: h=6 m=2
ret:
h=2 m=37
